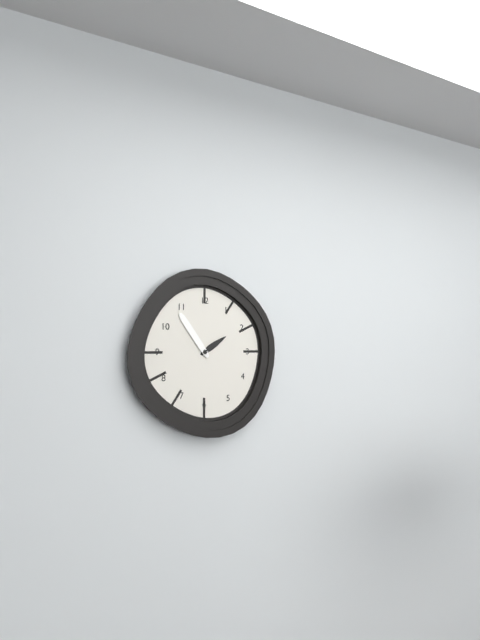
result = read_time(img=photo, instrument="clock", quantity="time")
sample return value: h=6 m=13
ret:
h=1 m=54
